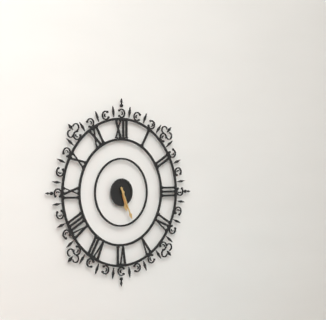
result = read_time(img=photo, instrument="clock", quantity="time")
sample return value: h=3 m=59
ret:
h=5 m=26
